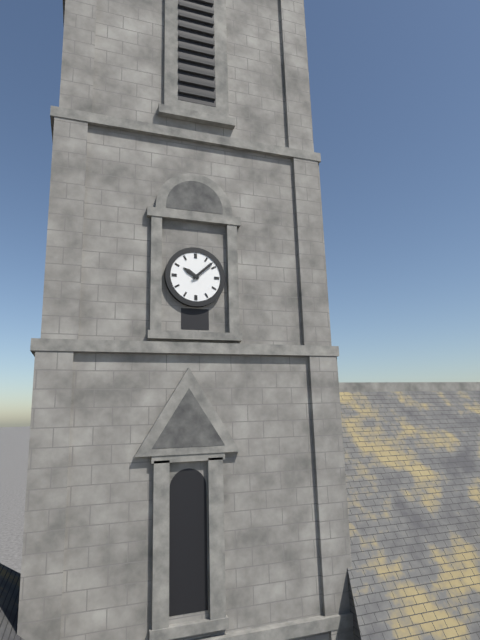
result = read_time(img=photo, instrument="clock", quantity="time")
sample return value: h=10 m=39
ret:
h=10 m=8
